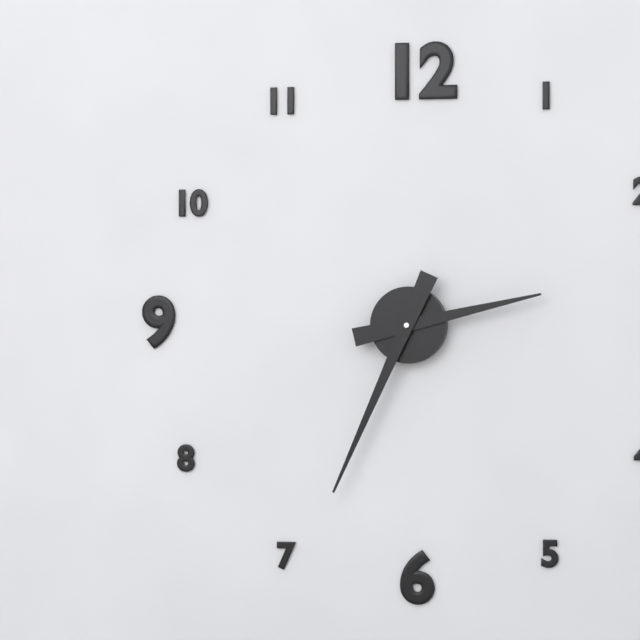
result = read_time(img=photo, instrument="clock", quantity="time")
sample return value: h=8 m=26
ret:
h=2 m=34
